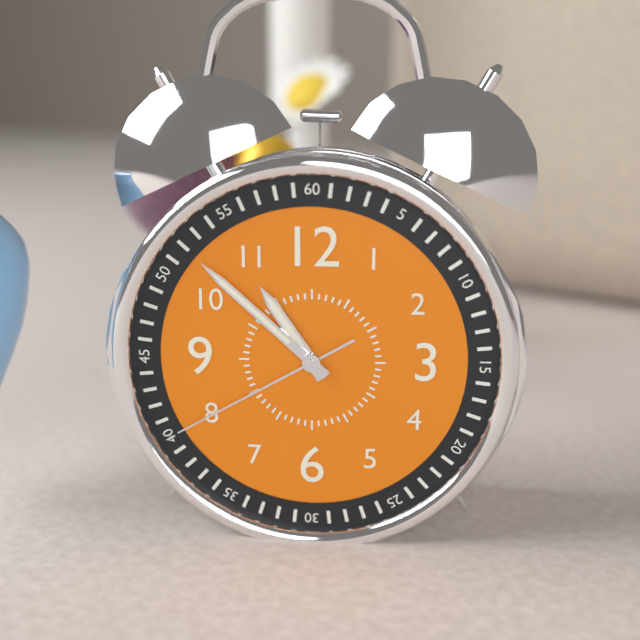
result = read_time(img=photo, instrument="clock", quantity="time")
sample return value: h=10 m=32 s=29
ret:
h=10 m=52 s=40
